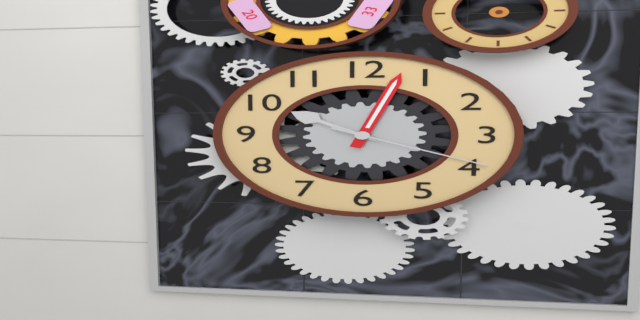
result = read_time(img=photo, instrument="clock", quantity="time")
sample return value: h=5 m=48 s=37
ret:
h=10 m=3 s=19
